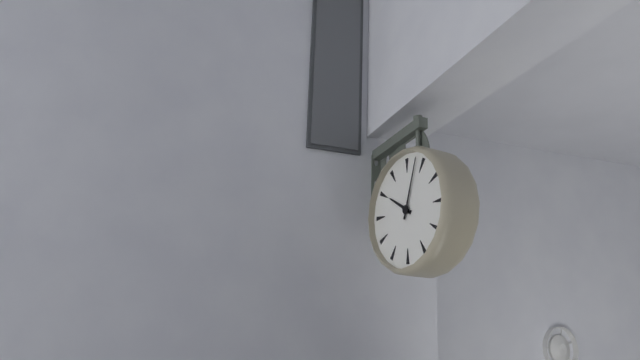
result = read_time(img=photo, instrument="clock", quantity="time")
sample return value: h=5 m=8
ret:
h=10 m=3
